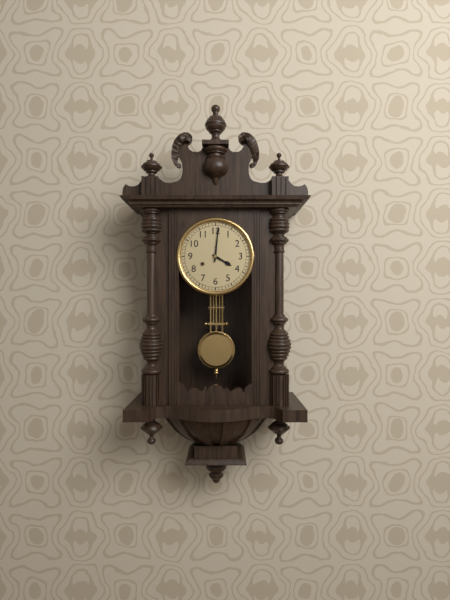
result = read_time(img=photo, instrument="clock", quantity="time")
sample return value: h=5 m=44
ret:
h=4 m=1
